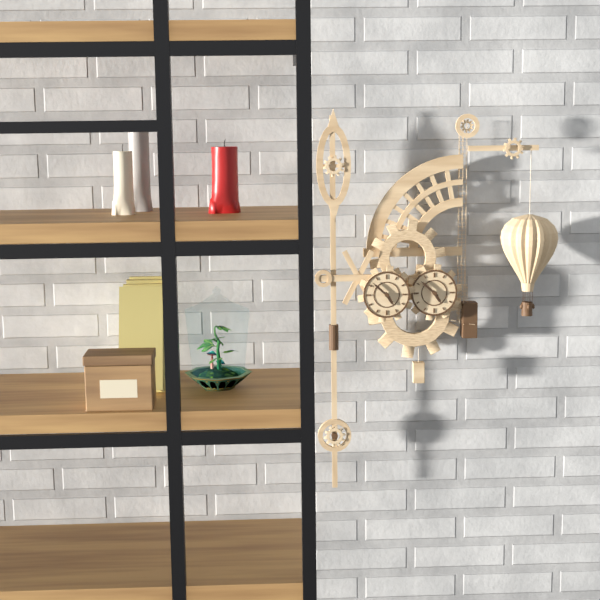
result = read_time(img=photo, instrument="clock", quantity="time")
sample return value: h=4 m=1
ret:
h=4 m=52
